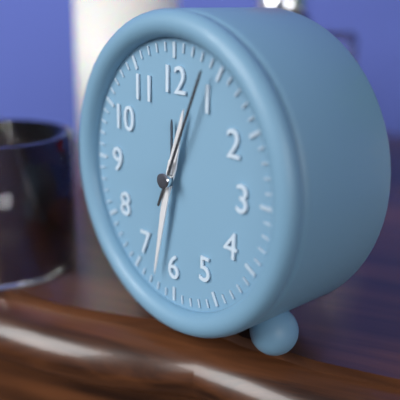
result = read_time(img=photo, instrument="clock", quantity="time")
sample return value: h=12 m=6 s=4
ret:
h=12 m=32 s=4
